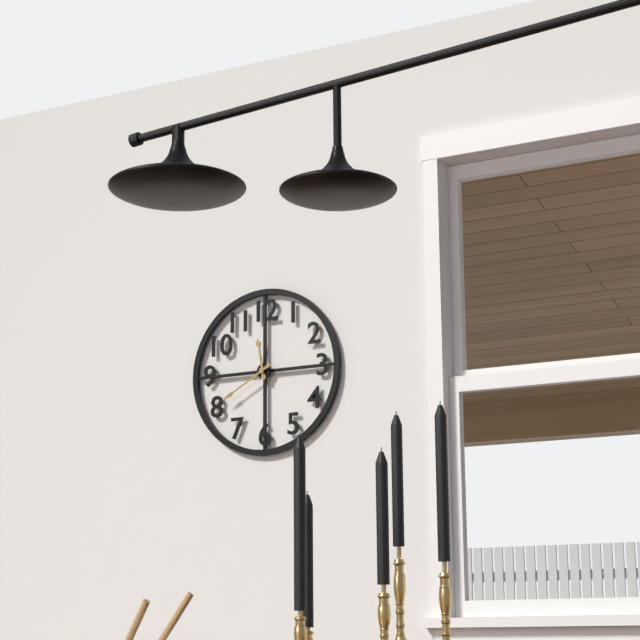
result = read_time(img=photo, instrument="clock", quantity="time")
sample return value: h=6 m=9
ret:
h=11 m=40
